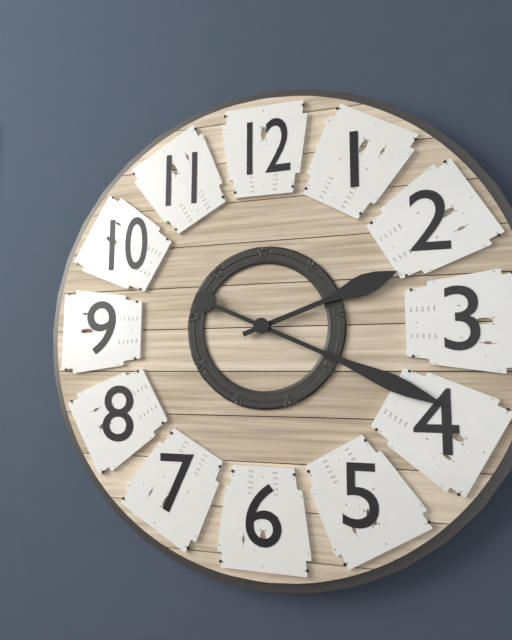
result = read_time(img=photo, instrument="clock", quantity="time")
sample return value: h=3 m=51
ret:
h=2 m=19
